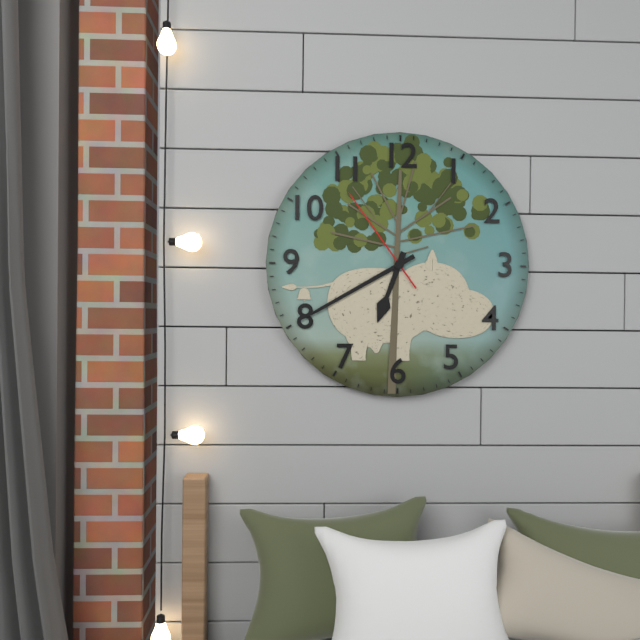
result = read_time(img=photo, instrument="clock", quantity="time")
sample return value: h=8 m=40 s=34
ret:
h=6 m=40 s=54
